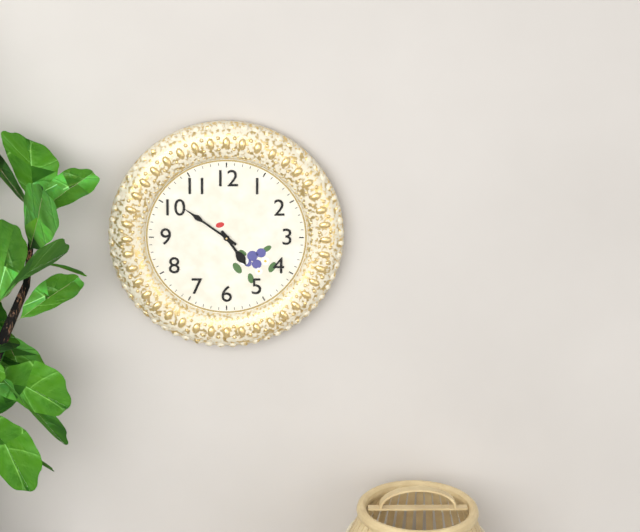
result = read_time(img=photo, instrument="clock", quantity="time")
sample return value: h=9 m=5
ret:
h=4 m=51
